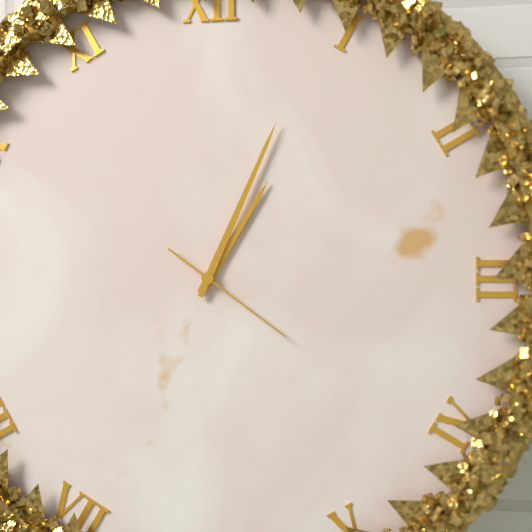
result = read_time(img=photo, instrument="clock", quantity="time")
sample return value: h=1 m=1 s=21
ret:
h=1 m=4 s=21
